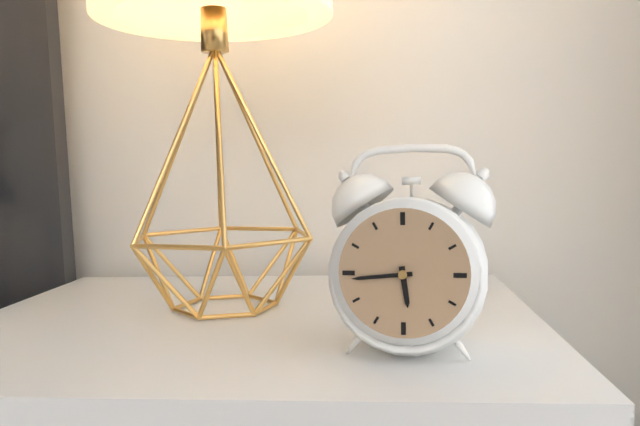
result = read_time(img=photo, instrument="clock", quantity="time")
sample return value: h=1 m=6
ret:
h=5 m=44
